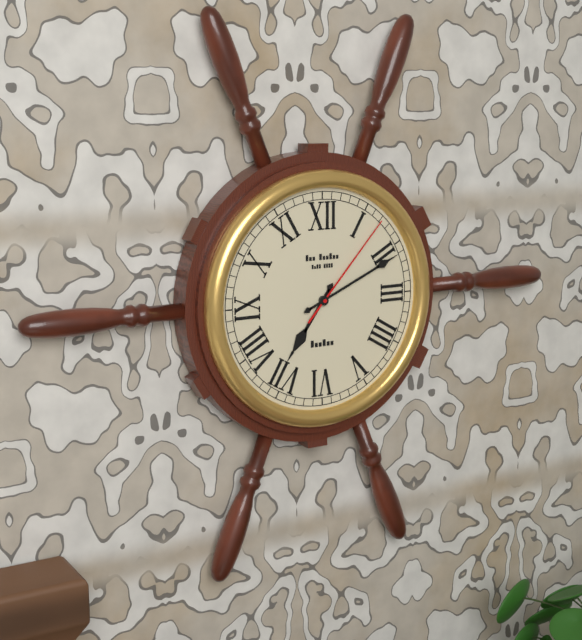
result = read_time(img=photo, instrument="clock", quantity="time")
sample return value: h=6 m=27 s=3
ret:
h=7 m=11 s=7
